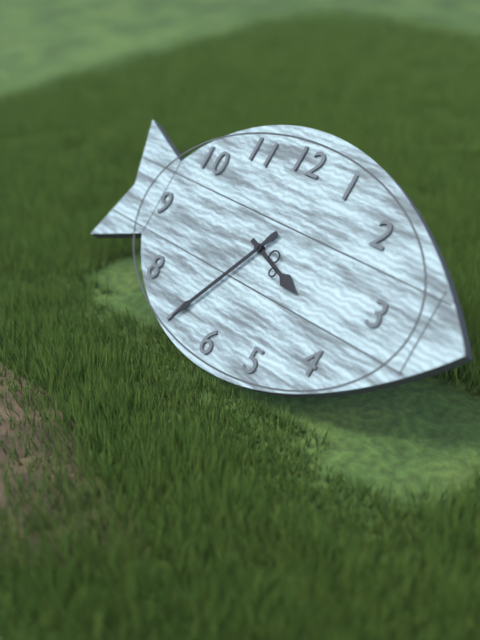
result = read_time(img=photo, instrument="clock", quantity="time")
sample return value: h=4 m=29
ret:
h=3 m=35
